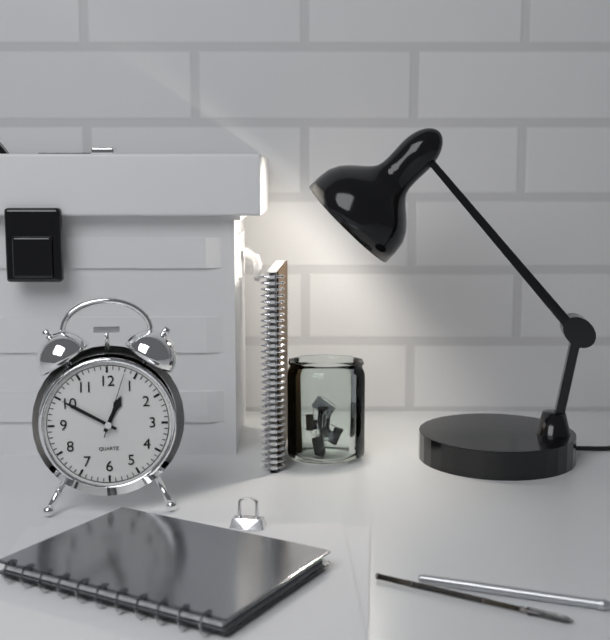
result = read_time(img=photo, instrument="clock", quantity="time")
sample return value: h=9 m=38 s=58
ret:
h=12 m=50 s=3
